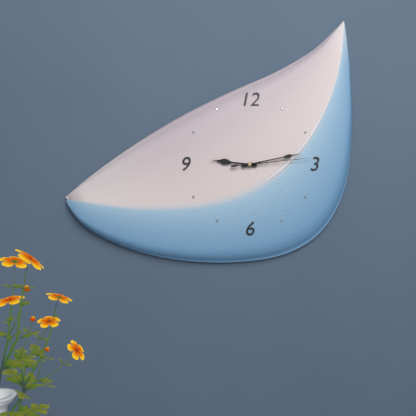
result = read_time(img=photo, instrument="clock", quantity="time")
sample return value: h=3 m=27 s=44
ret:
h=9 m=13 s=14
